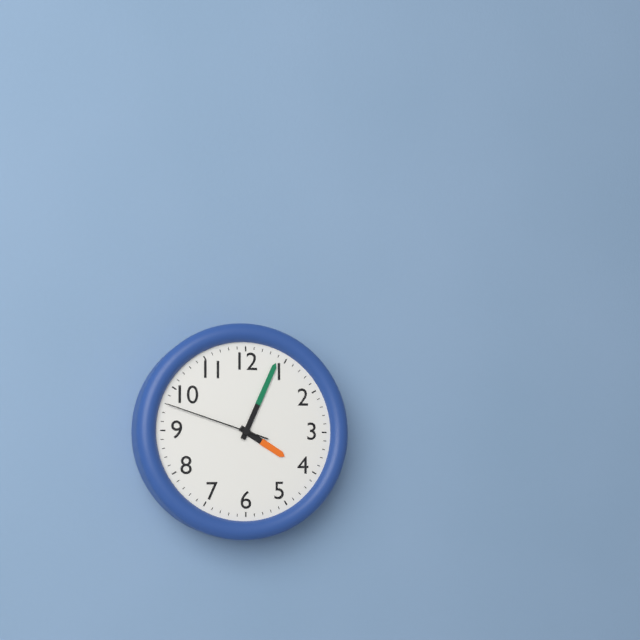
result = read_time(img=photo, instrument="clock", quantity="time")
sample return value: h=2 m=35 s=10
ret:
h=4 m=4 s=48
